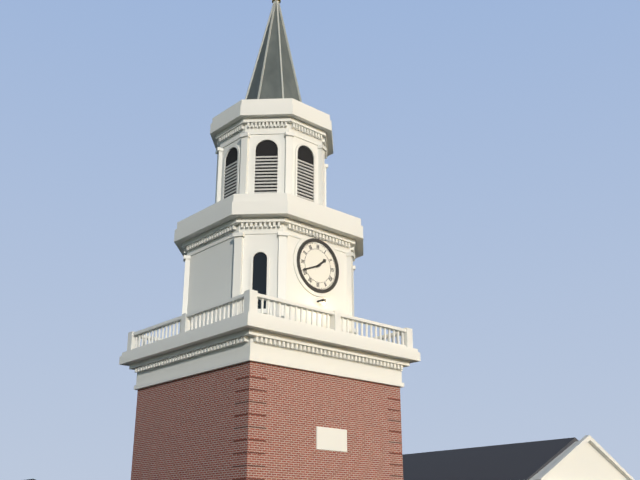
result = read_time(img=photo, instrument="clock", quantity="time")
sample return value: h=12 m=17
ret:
h=1 m=41
